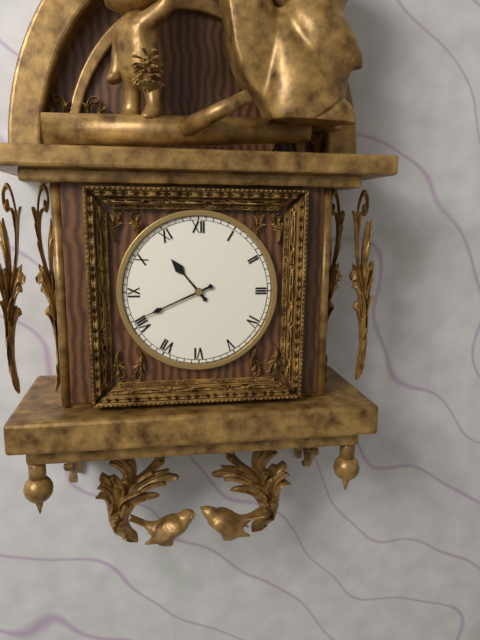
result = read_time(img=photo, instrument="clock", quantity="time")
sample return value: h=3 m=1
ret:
h=10 m=41
